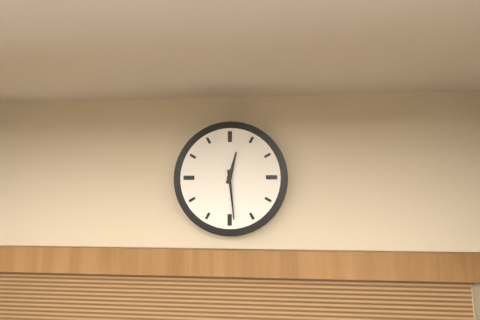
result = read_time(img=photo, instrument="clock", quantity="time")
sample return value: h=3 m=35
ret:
h=12 m=29
